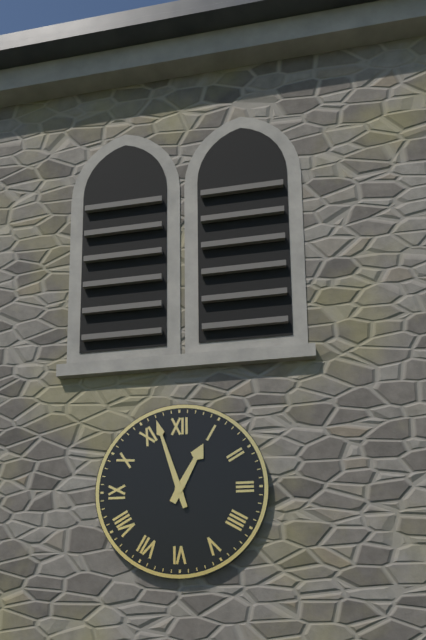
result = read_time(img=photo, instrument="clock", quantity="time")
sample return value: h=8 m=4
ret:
h=12 m=57
